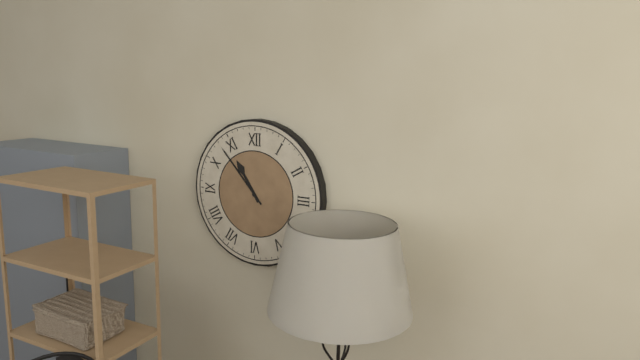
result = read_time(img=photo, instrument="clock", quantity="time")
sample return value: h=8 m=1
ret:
h=10 m=53
